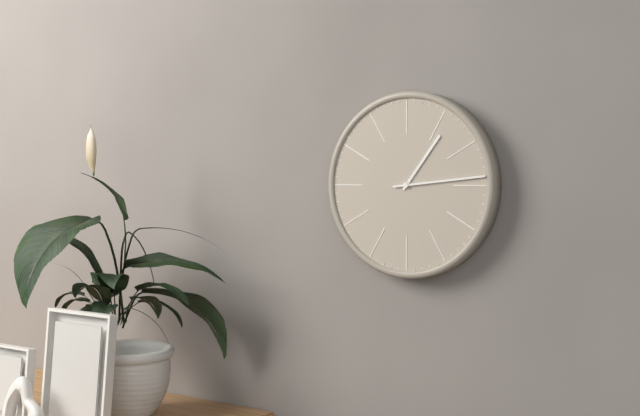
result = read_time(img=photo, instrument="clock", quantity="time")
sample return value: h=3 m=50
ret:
h=1 m=14
